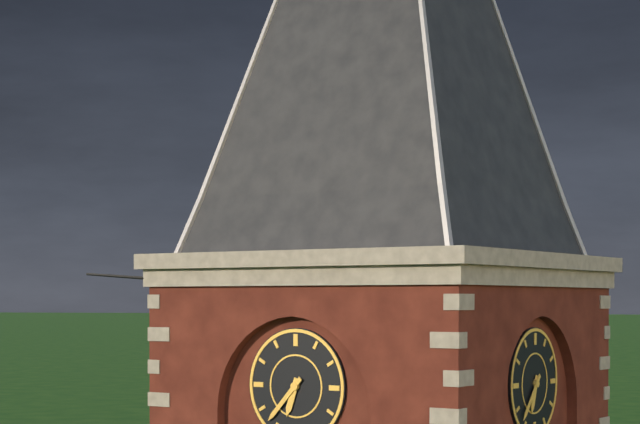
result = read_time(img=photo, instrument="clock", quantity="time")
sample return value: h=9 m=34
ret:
h=6 m=37
